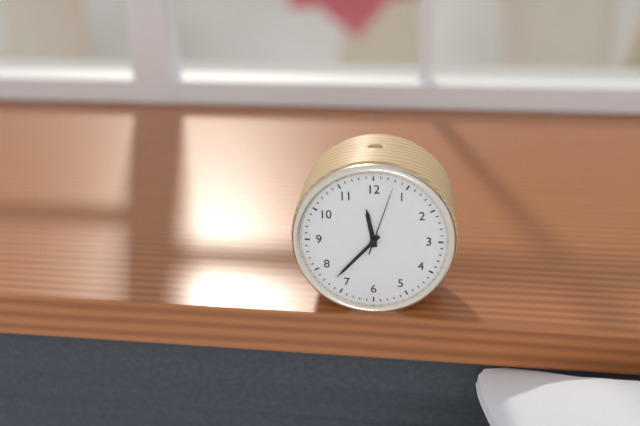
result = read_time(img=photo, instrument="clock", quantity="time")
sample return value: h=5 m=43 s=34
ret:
h=11 m=37 s=3
